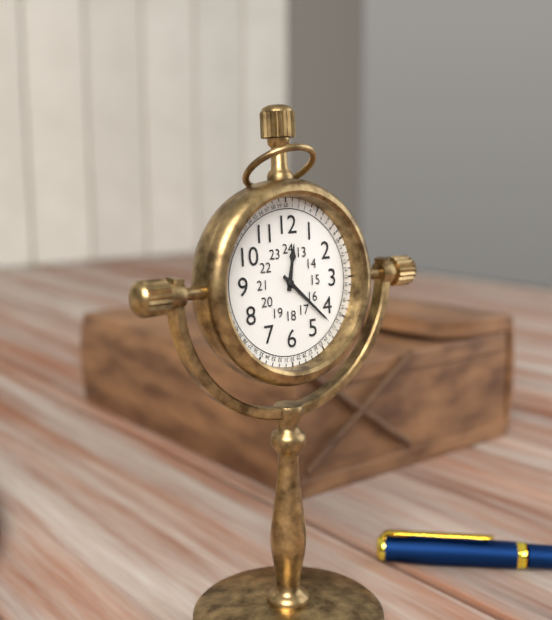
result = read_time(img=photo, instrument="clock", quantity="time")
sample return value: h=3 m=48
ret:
h=12 m=22
